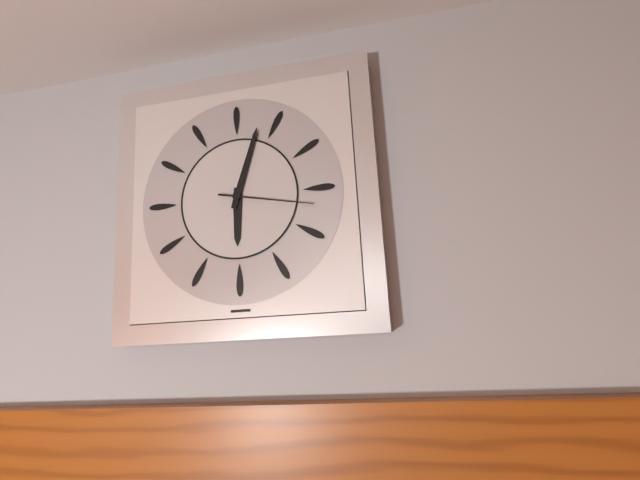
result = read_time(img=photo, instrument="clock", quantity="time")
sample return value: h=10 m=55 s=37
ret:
h=6 m=3 s=17
